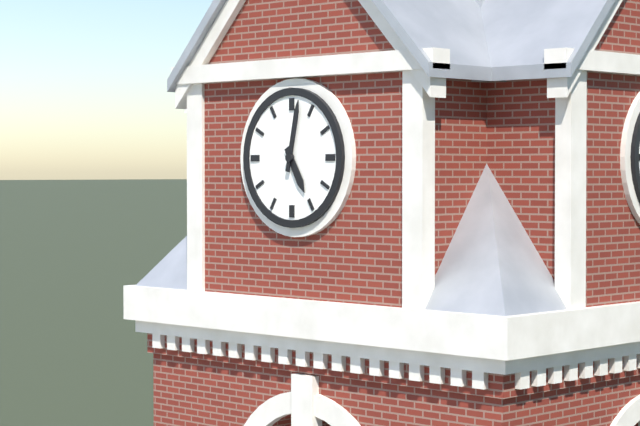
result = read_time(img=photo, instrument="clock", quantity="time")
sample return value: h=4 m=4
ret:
h=5 m=2
